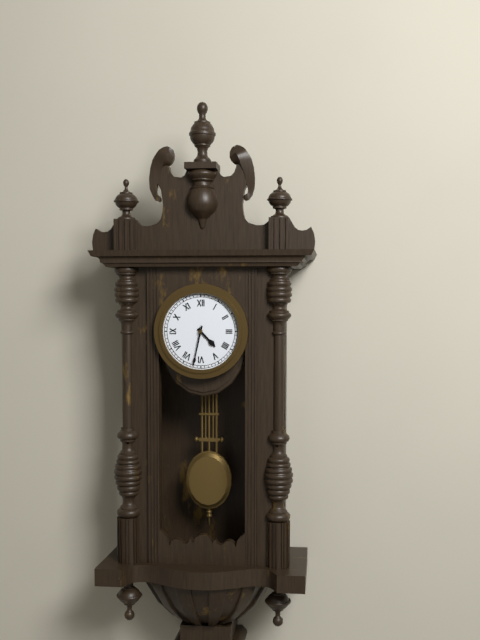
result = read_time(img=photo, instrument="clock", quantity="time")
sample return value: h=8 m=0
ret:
h=4 m=32
